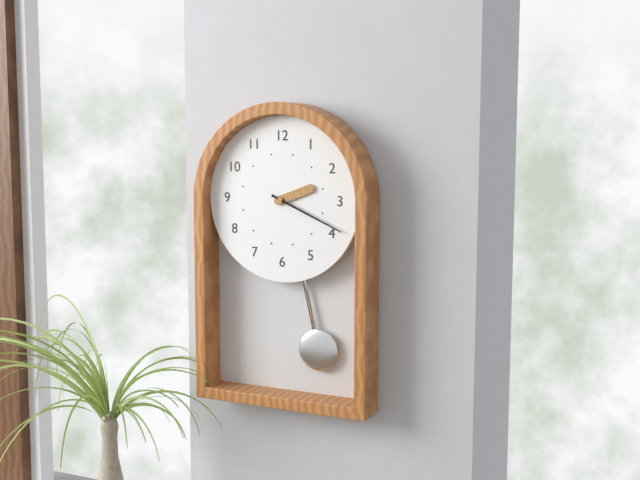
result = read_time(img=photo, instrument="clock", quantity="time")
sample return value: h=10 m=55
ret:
h=2 m=19
